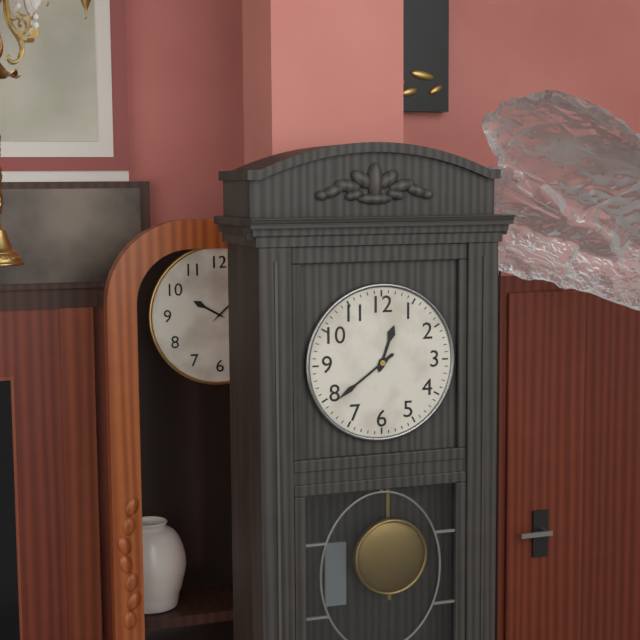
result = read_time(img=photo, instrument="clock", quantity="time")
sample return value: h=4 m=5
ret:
h=12 m=39
